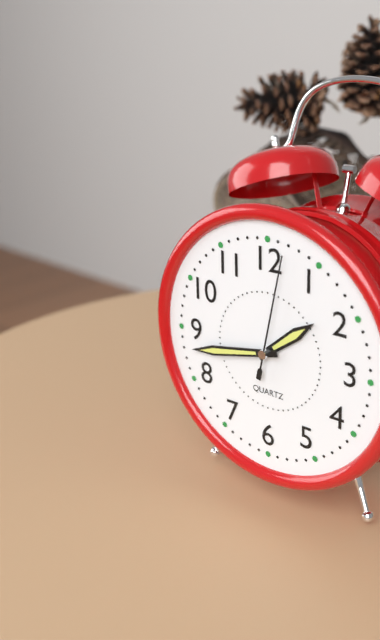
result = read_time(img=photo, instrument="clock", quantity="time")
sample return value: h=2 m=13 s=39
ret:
h=1 m=43 s=2
